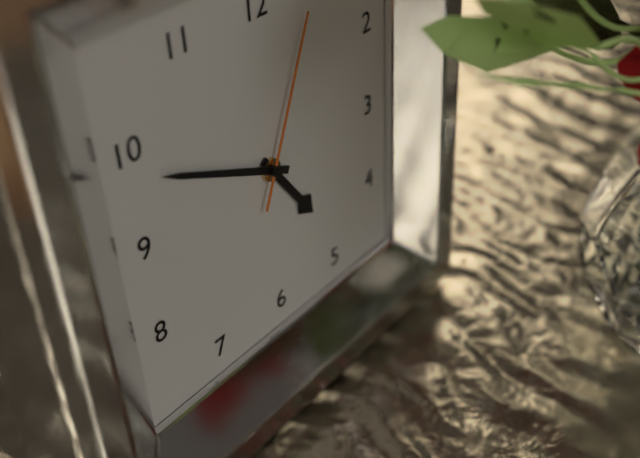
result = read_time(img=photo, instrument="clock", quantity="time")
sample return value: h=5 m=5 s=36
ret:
h=4 m=49 s=4
